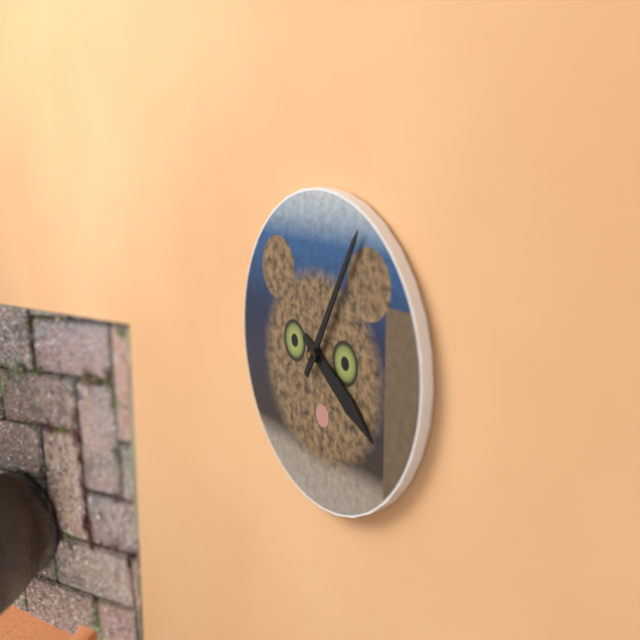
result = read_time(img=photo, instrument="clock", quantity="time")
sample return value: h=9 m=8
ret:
h=4 m=5
